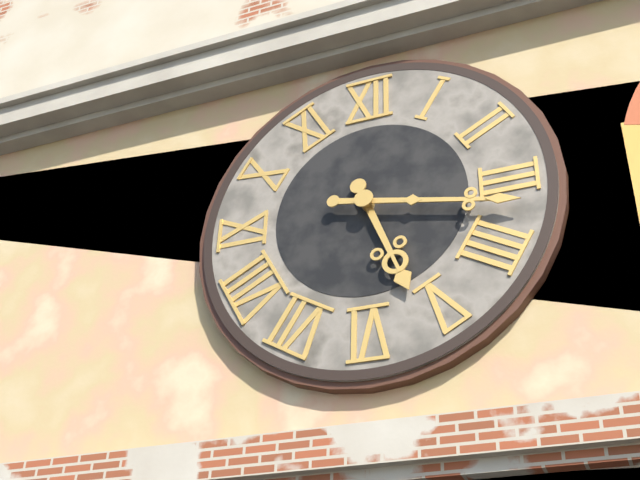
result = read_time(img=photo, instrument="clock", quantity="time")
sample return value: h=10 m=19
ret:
h=5 m=17
